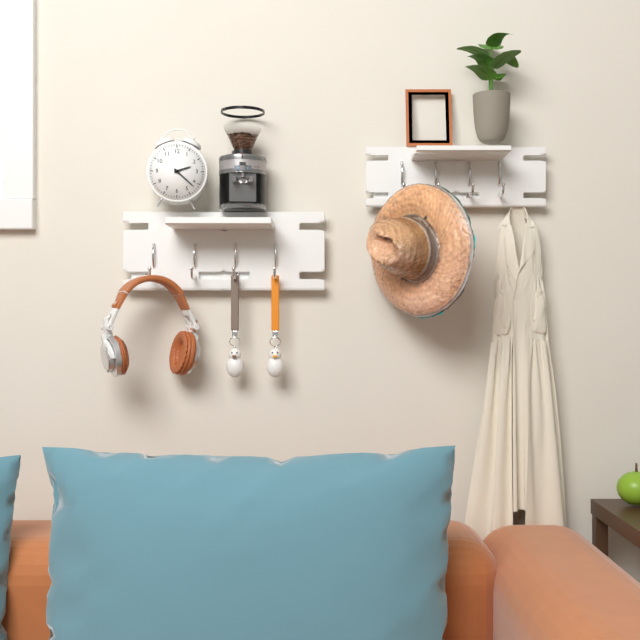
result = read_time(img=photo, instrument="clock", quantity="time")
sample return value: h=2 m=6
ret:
h=2 m=22
